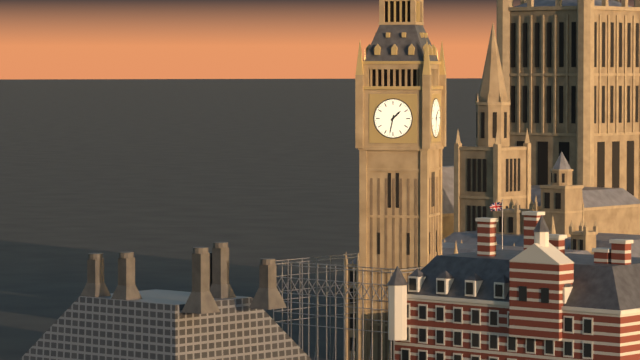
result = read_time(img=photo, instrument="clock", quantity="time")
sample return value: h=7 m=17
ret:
h=1 m=32
